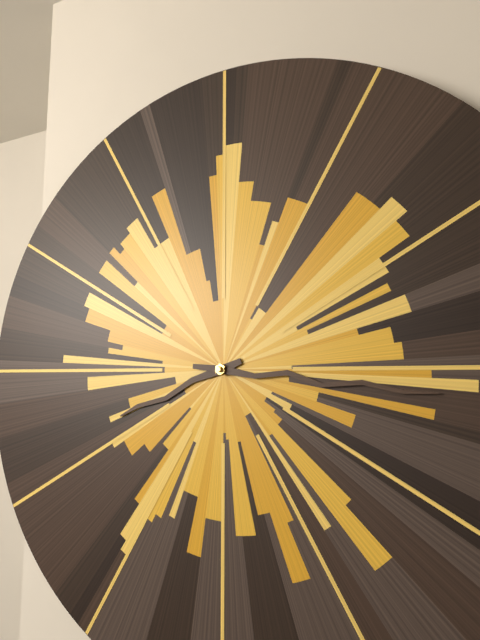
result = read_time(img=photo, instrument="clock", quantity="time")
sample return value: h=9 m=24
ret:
h=8 m=16
